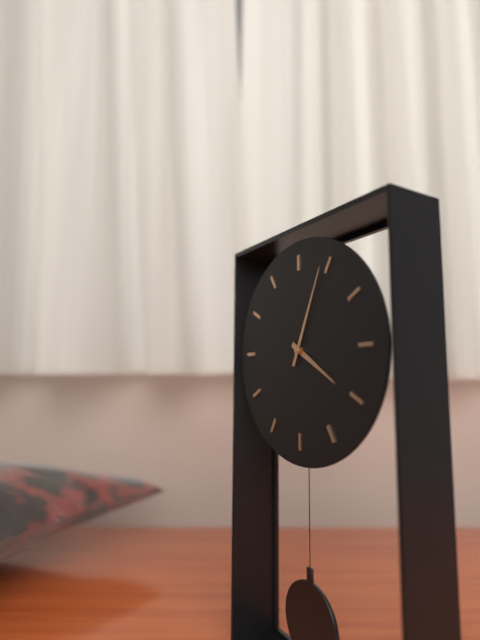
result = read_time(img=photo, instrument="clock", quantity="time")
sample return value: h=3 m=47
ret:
h=4 m=4
